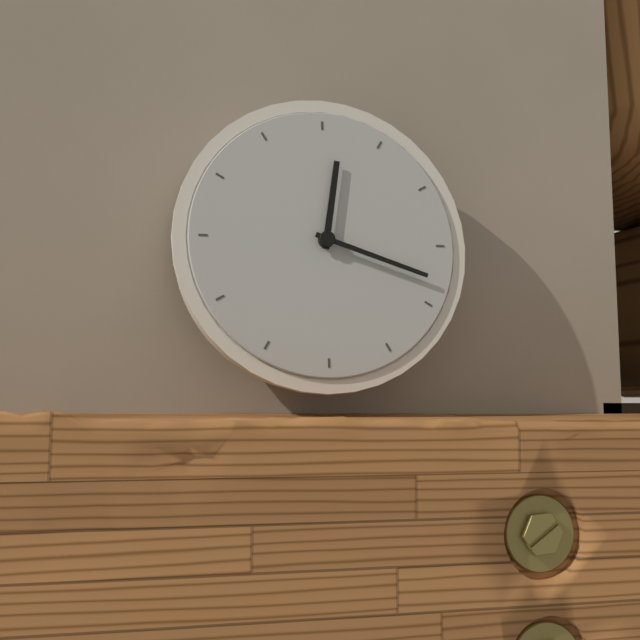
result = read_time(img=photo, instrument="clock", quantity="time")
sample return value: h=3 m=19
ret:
h=12 m=18
